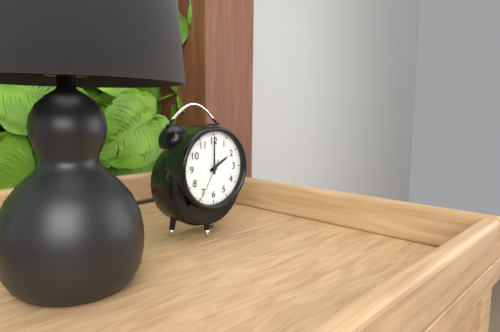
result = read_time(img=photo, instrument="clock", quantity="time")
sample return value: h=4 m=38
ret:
h=2 m=0
